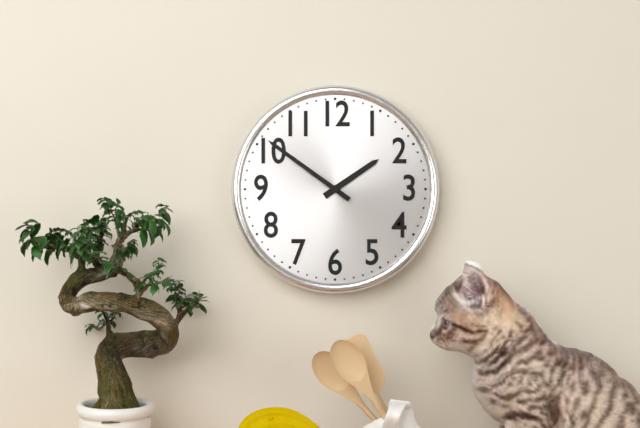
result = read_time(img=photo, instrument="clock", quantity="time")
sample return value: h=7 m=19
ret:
h=1 m=51
